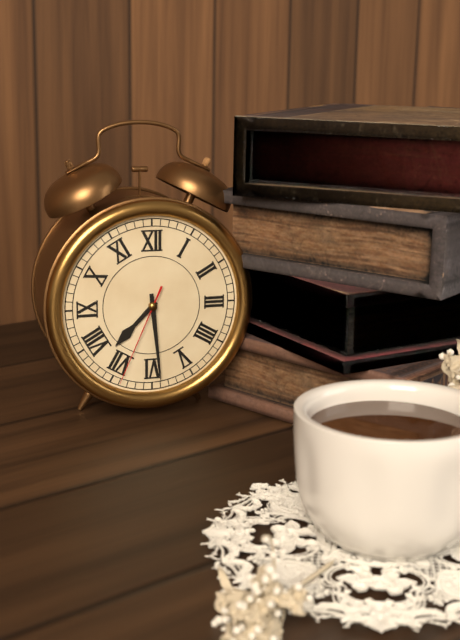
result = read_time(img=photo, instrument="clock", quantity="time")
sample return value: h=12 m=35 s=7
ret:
h=7 m=29 s=34
